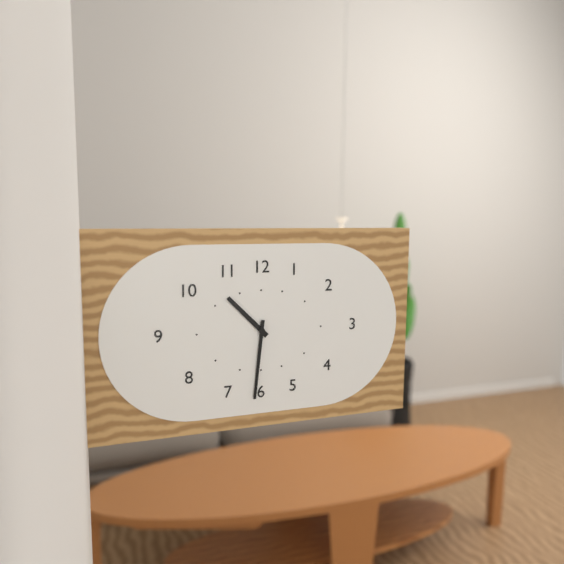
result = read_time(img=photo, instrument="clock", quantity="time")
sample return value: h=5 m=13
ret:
h=10 m=31
